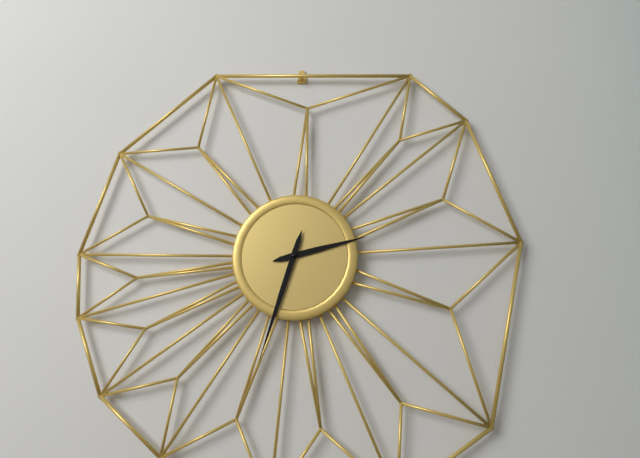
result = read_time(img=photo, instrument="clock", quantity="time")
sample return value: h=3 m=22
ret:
h=2 m=33
